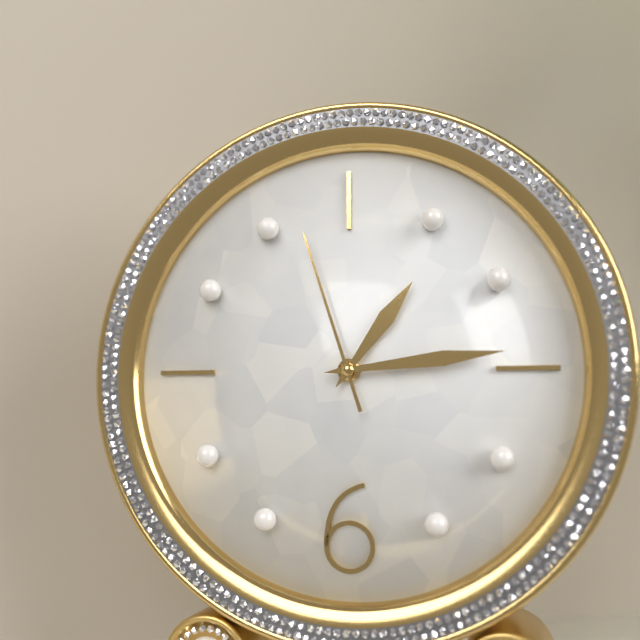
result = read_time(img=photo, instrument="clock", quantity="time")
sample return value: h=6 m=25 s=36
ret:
h=1 m=14 s=57
